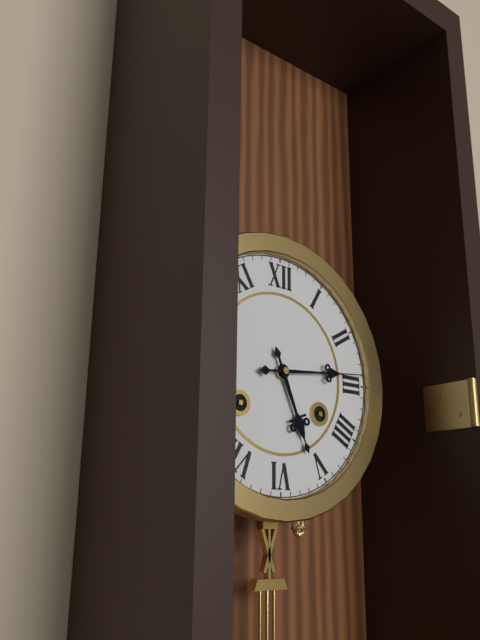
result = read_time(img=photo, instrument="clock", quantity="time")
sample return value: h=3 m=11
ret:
h=5 m=14
